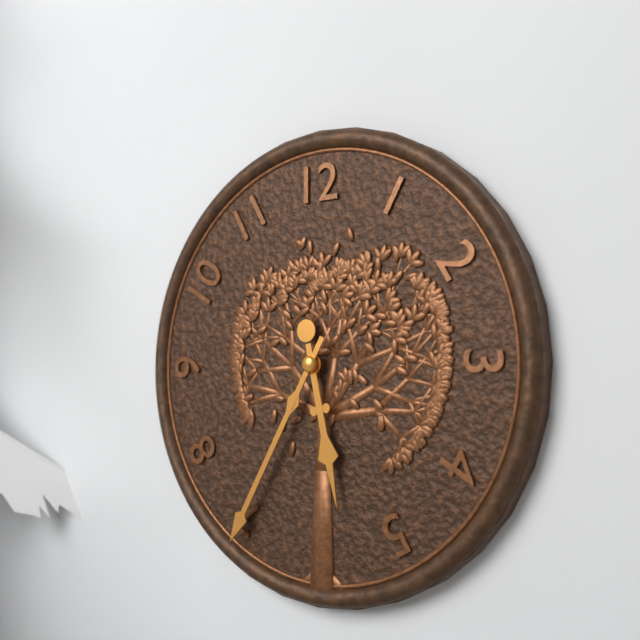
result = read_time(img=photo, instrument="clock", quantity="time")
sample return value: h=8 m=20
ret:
h=5 m=35
